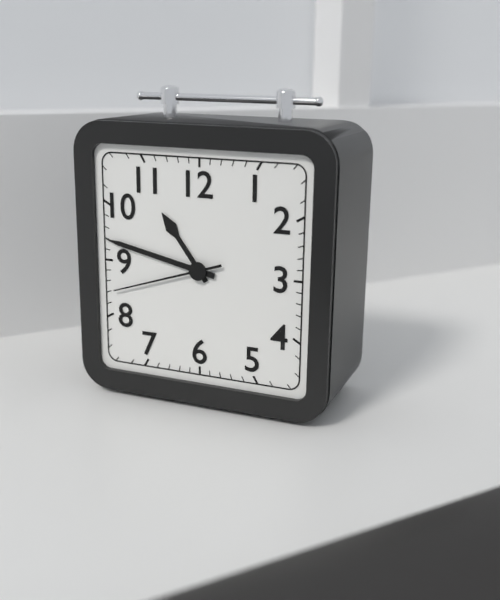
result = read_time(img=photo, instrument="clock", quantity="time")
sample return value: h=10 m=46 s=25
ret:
h=10 m=47 s=42
